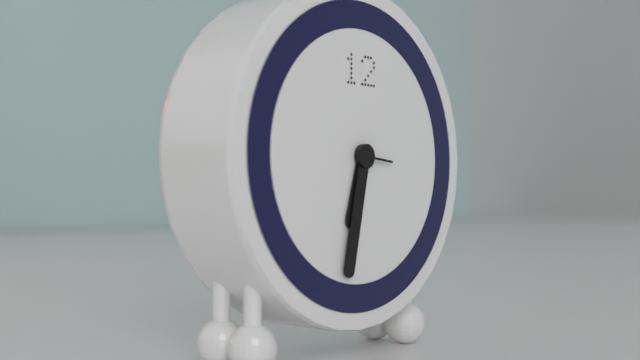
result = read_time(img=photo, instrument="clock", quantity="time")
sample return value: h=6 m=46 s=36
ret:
h=6 m=32 s=16
